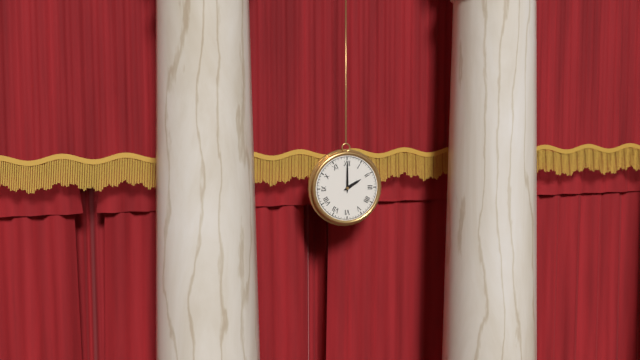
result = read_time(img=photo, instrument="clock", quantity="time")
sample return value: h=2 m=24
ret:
h=2 m=0
